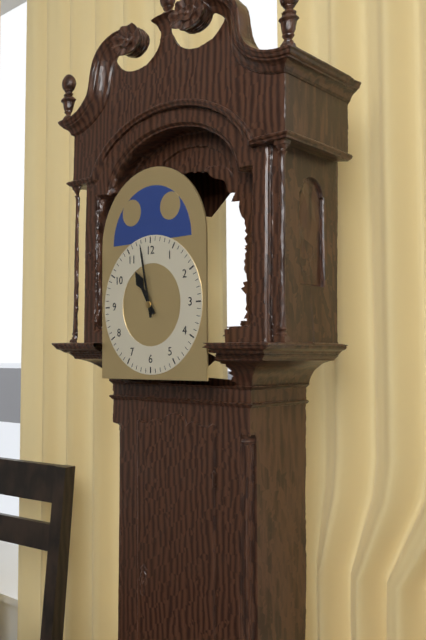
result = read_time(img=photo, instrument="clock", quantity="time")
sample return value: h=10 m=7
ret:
h=10 m=58
